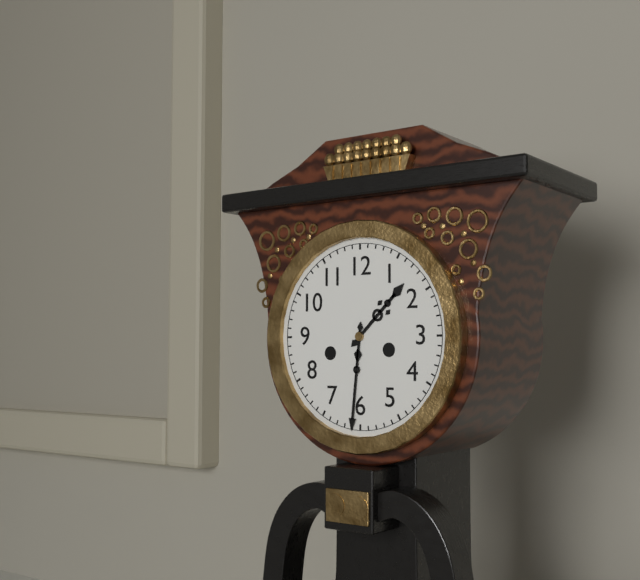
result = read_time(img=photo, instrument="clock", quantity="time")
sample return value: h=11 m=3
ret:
h=1 m=31
